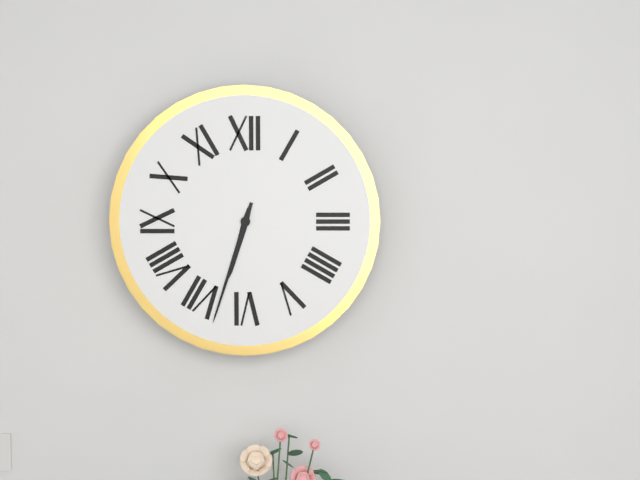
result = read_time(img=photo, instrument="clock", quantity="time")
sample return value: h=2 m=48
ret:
h=6 m=33
